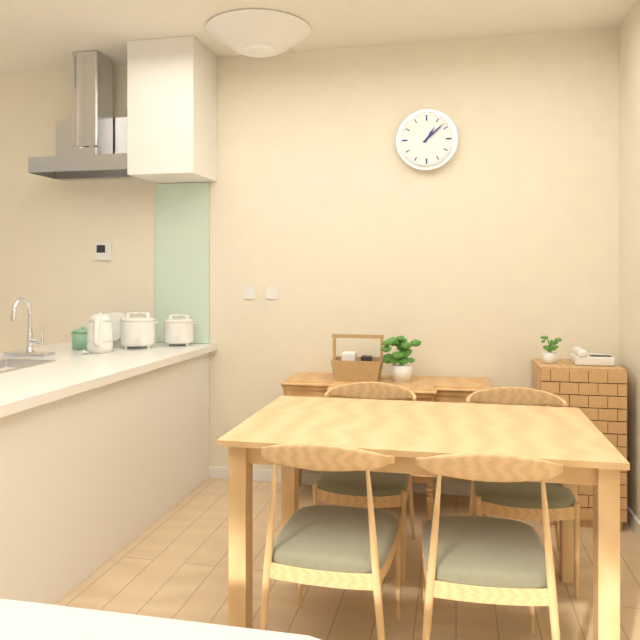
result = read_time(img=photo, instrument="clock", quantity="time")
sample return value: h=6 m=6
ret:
h=1 m=8
